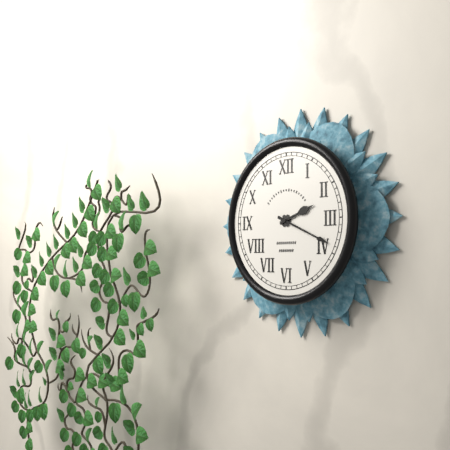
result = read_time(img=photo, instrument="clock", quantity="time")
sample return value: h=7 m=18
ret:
h=2 m=19
